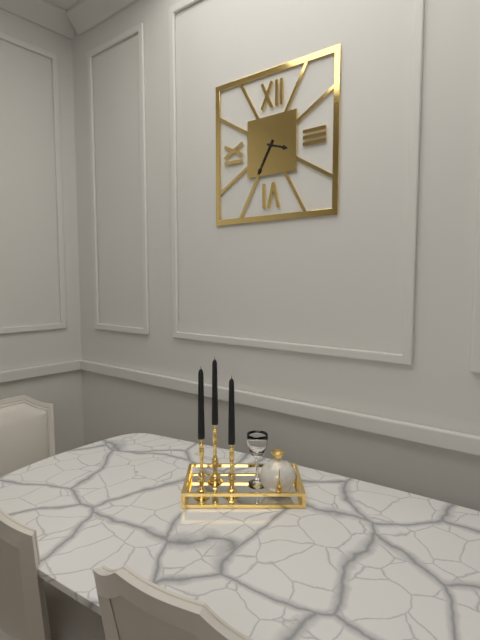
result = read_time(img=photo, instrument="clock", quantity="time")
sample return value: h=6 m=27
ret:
h=3 m=35
